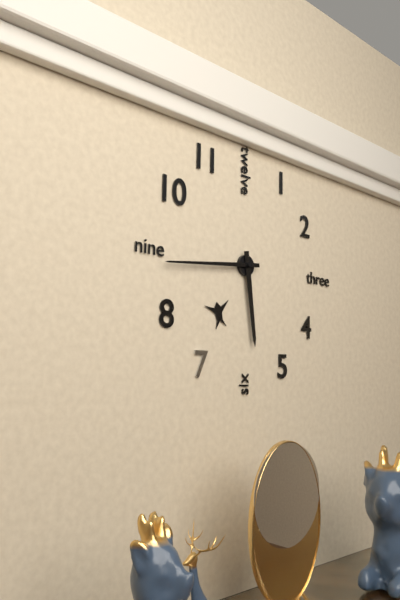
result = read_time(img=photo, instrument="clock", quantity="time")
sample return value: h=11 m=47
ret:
h=5 m=44
